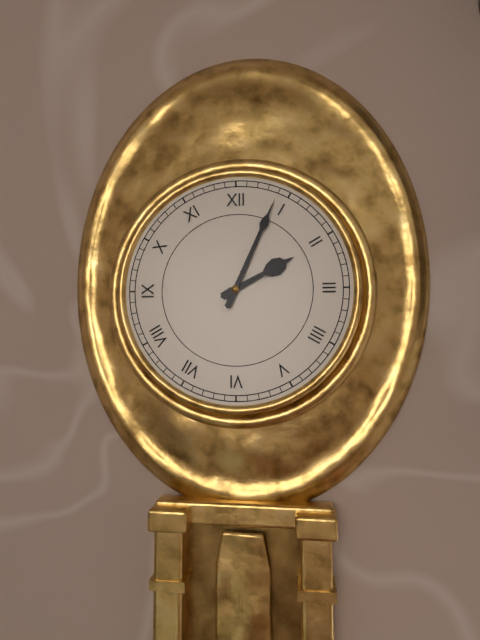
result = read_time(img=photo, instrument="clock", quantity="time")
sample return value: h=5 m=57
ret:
h=2 m=4
